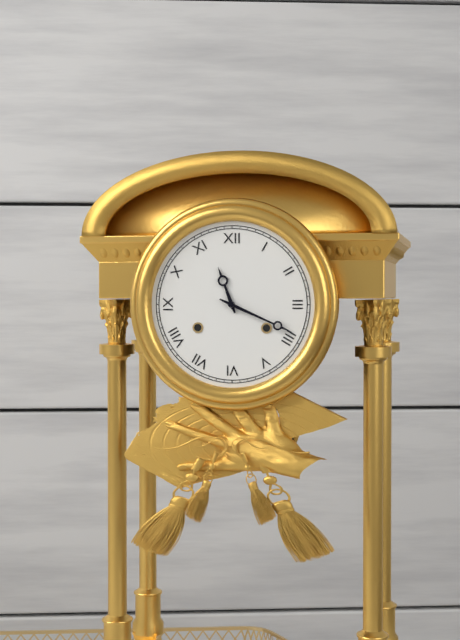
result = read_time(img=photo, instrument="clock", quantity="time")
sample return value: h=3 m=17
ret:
h=11 m=19
